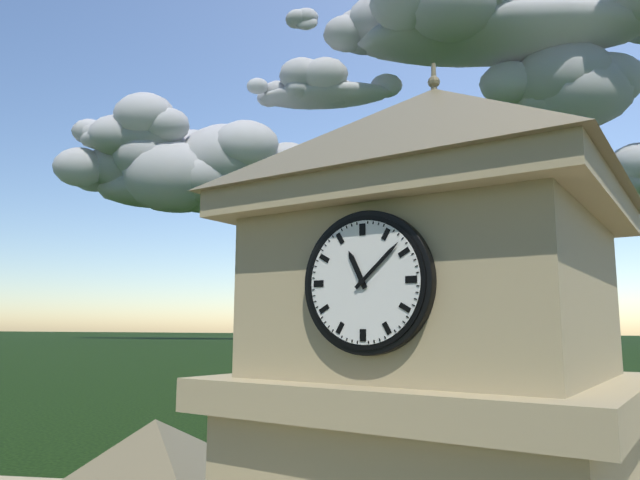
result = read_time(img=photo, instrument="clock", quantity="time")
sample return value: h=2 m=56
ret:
h=11 m=8
